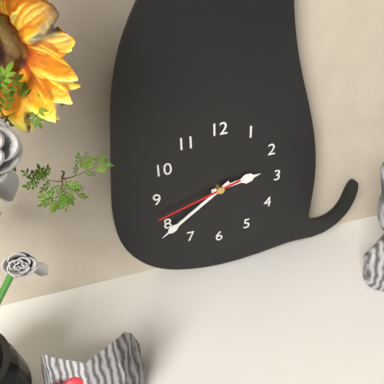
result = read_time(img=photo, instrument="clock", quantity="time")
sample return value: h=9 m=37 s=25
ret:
h=2 m=39 s=42
